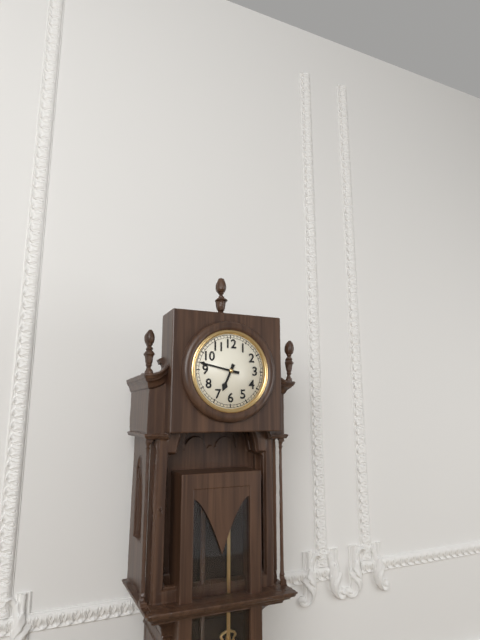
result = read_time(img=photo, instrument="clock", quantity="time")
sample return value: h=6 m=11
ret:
h=6 m=47
